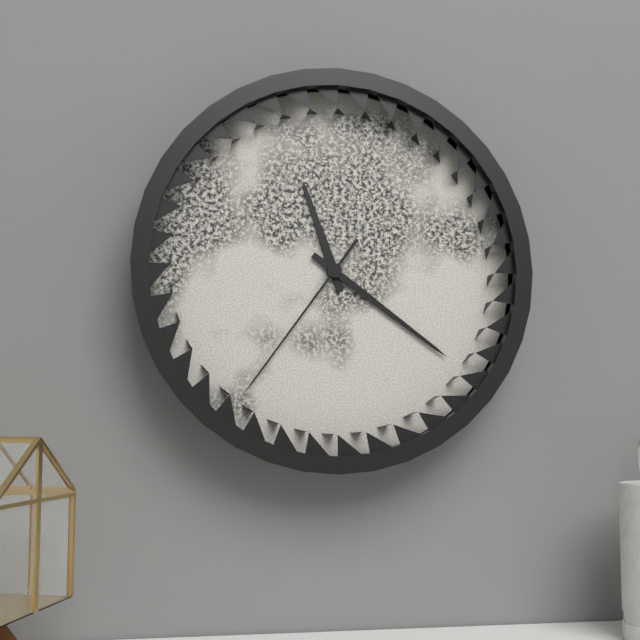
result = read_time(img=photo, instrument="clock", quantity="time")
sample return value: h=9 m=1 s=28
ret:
h=11 m=21 s=36
